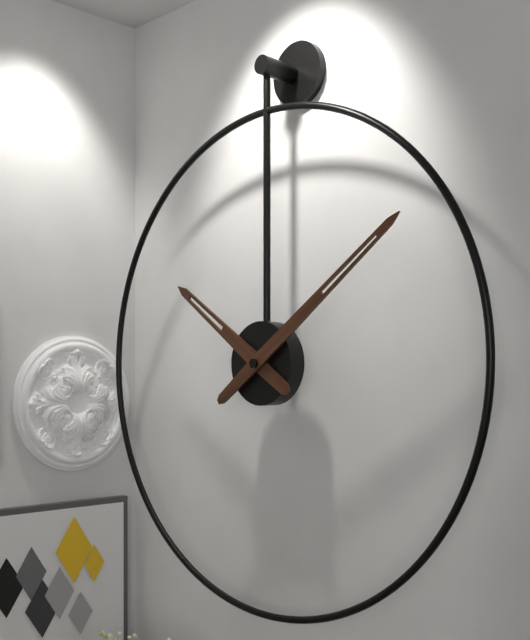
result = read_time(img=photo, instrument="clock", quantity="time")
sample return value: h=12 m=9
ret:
h=10 m=9
